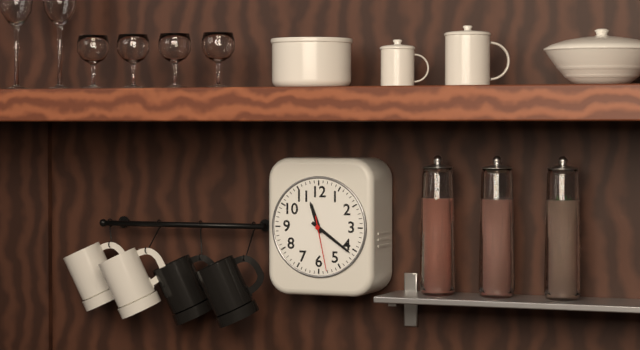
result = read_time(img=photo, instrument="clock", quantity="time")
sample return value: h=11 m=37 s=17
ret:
h=11 m=21 s=28
